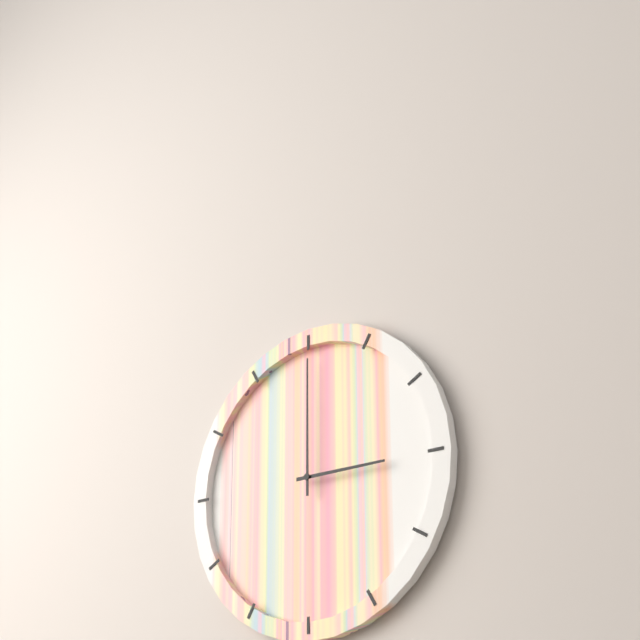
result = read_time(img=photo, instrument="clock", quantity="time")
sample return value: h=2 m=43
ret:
h=3 m=0
